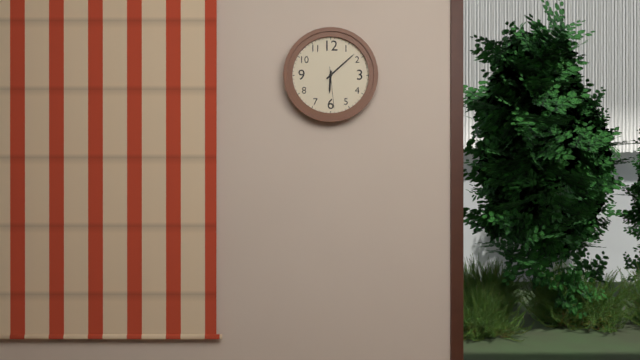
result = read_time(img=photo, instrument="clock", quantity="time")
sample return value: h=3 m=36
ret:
h=6 m=8
